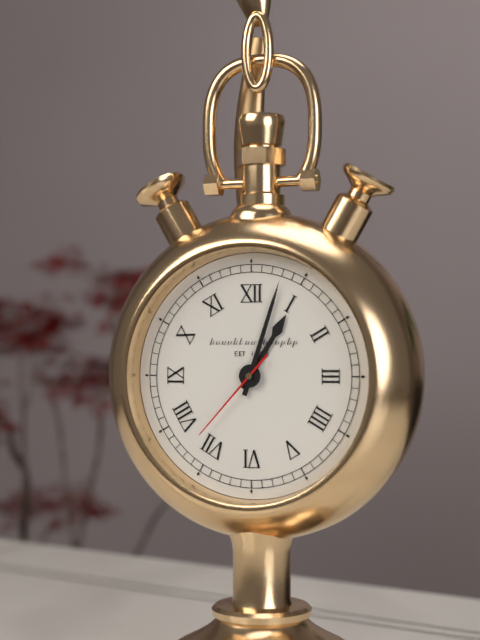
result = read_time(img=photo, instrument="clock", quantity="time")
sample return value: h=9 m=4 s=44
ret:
h=1 m=3 s=37
